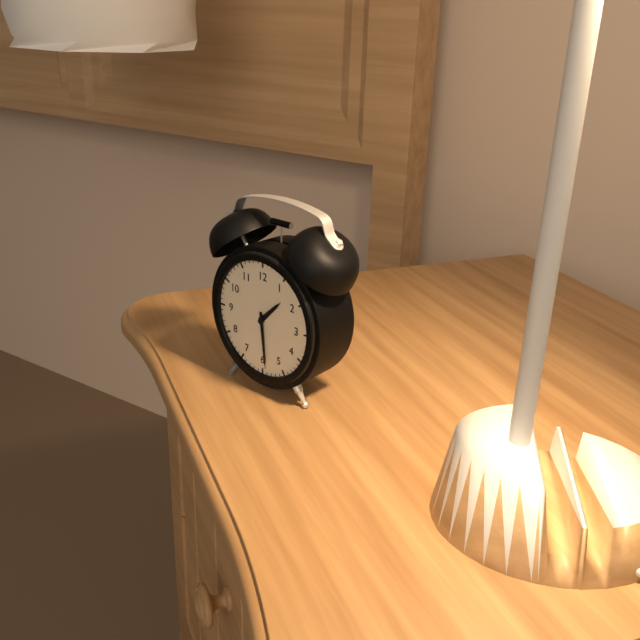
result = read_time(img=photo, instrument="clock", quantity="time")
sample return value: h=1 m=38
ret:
h=1 m=29
